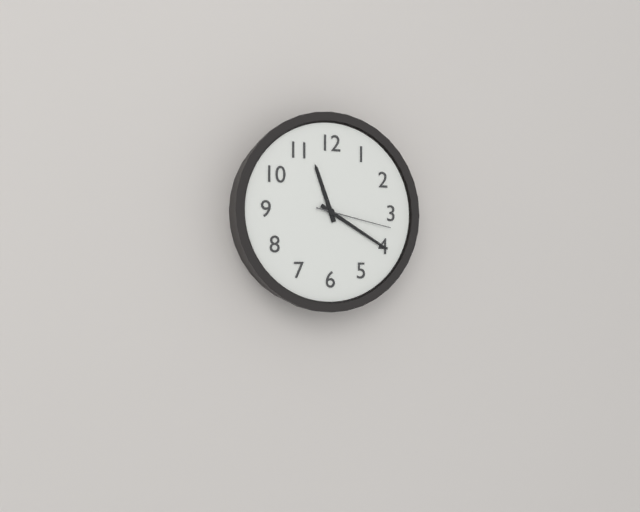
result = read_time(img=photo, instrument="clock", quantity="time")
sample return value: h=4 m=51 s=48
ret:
h=11 m=20 s=17
